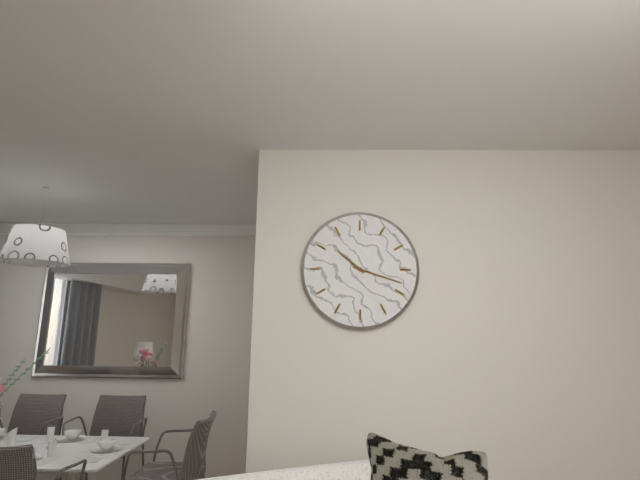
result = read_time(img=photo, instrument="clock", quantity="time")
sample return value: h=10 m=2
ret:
h=10 m=18
